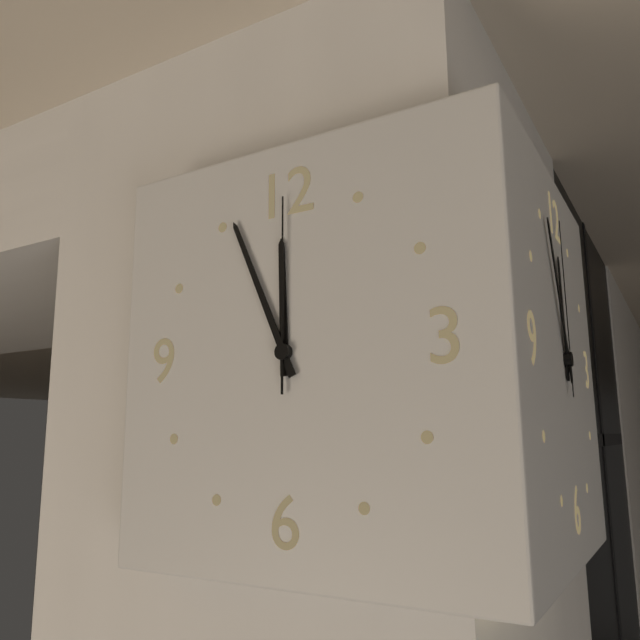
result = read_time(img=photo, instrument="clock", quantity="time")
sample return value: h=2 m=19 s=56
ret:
h=11 m=56 s=0
